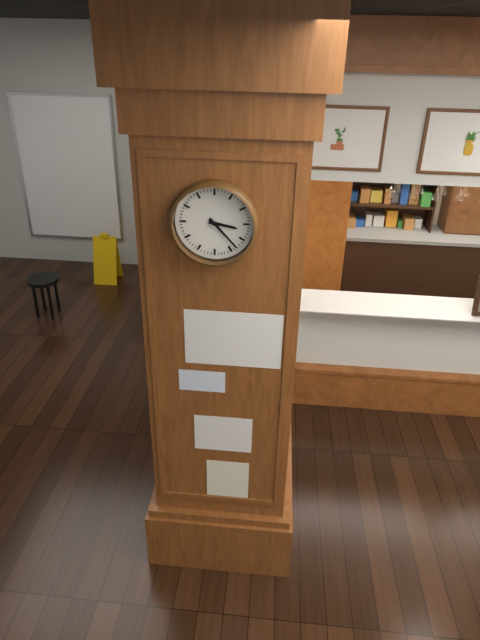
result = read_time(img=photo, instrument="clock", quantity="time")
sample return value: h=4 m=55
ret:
h=3 m=23
